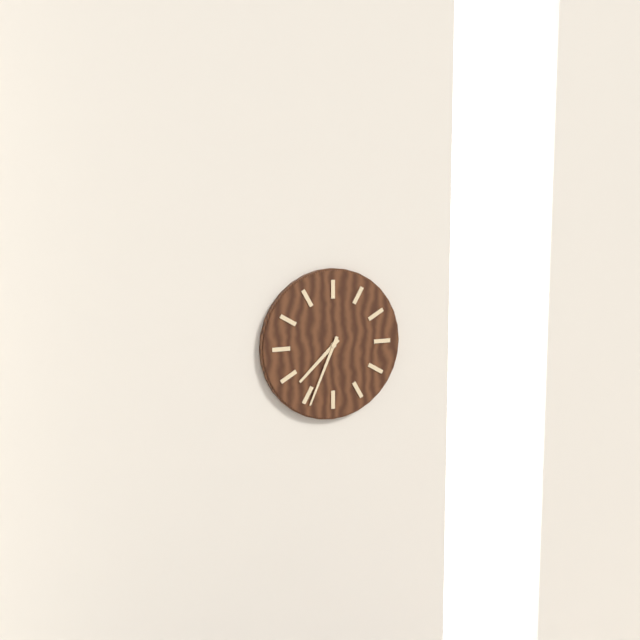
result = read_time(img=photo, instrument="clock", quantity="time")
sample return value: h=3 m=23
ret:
h=7 m=34
